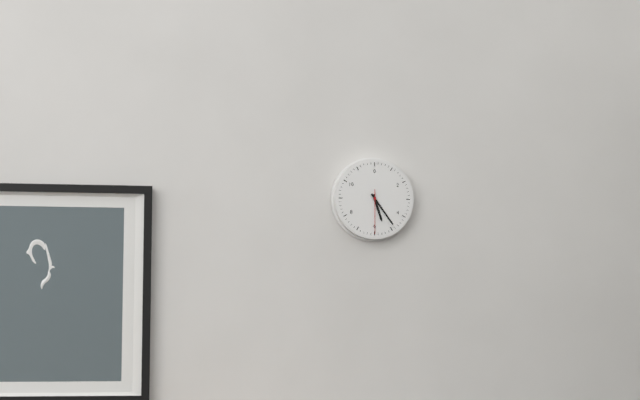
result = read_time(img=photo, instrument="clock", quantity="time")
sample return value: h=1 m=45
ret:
h=5 m=24
